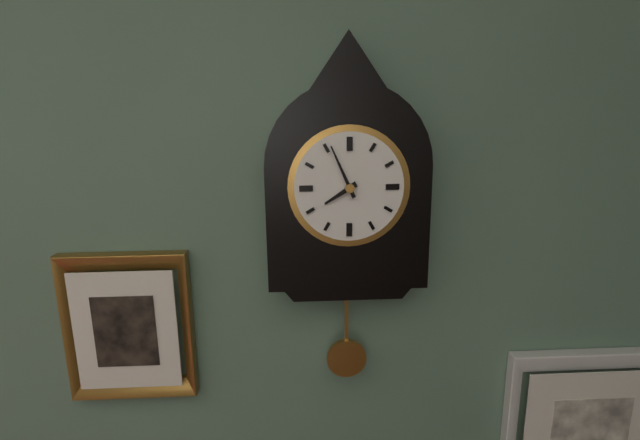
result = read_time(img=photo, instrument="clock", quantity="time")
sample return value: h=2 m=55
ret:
h=7 m=56
